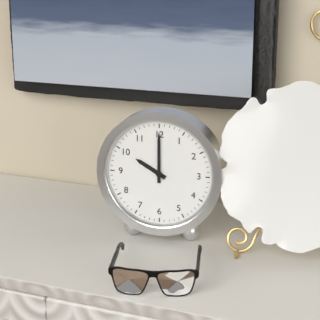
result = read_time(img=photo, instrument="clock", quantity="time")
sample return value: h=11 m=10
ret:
h=10 m=0
